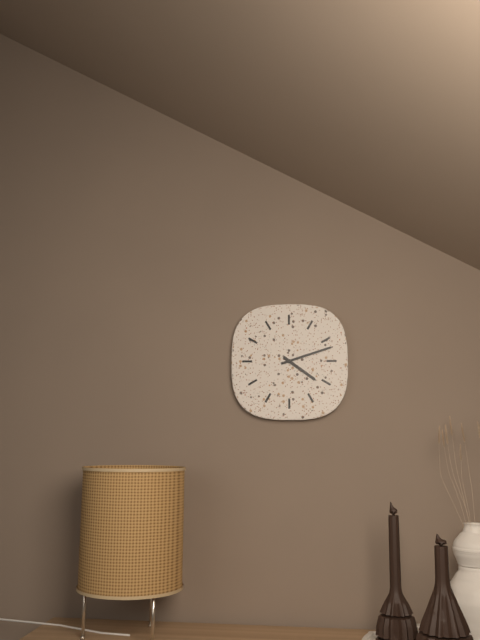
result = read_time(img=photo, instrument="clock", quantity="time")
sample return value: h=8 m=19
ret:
h=4 m=12
